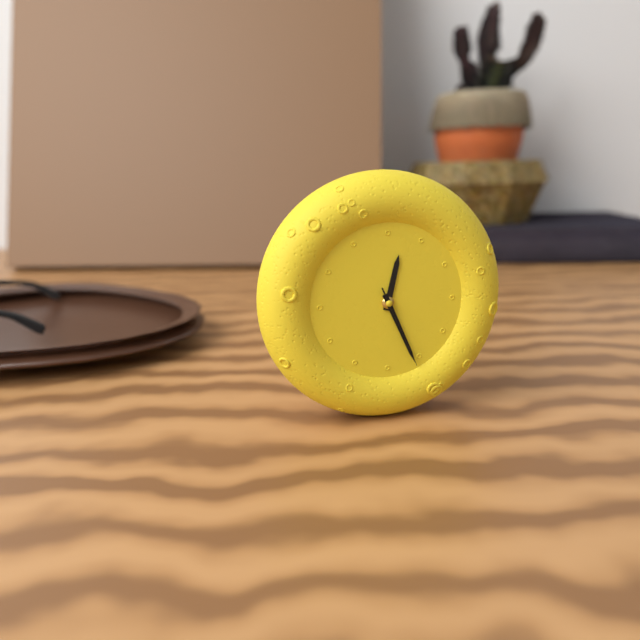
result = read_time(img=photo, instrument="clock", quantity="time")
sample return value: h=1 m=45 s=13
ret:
h=12 m=26 s=26
